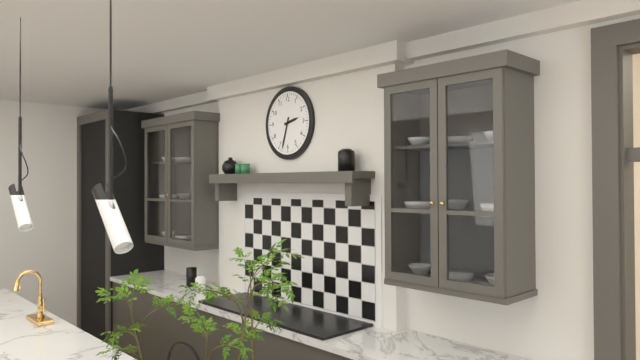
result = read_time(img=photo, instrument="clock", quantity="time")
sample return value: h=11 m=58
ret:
h=2 m=33
